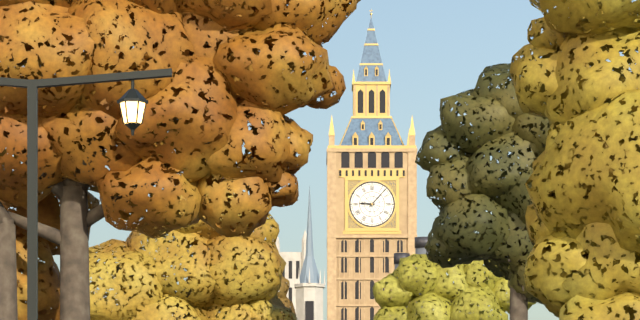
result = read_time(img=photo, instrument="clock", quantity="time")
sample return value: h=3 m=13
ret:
h=9 m=7
